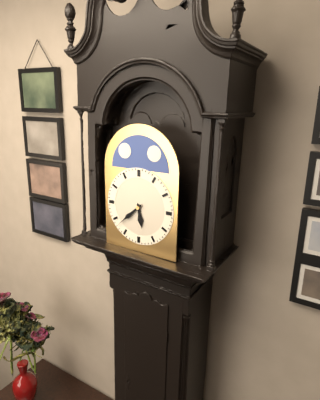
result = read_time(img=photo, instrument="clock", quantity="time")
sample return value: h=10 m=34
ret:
h=5 m=38
